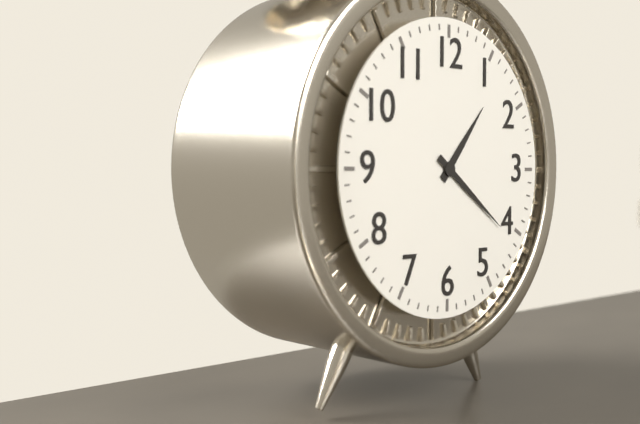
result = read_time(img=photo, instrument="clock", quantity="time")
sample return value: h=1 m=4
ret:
h=1 m=21
